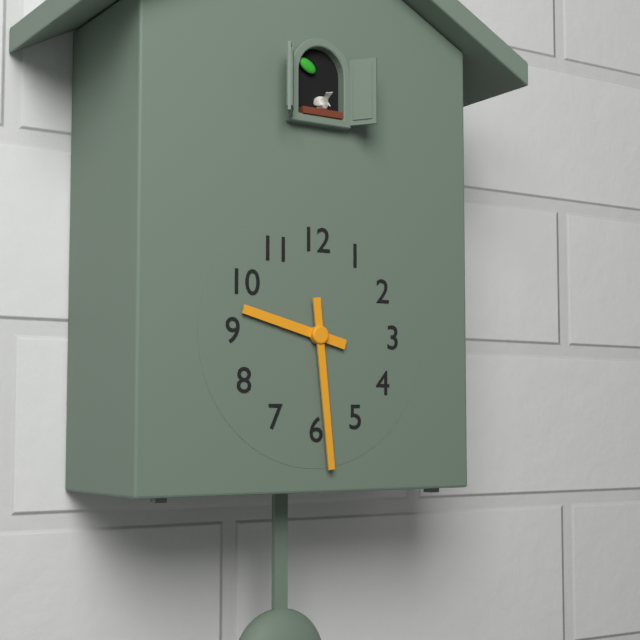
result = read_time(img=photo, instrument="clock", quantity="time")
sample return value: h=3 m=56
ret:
h=9 m=29
